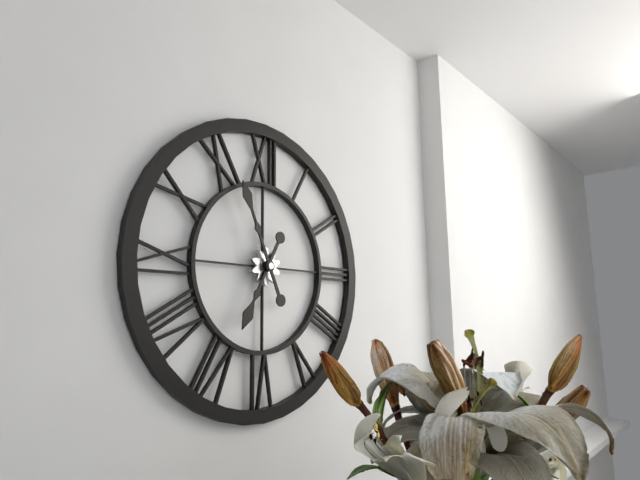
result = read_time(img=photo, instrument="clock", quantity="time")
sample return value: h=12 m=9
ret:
h=6 m=56
